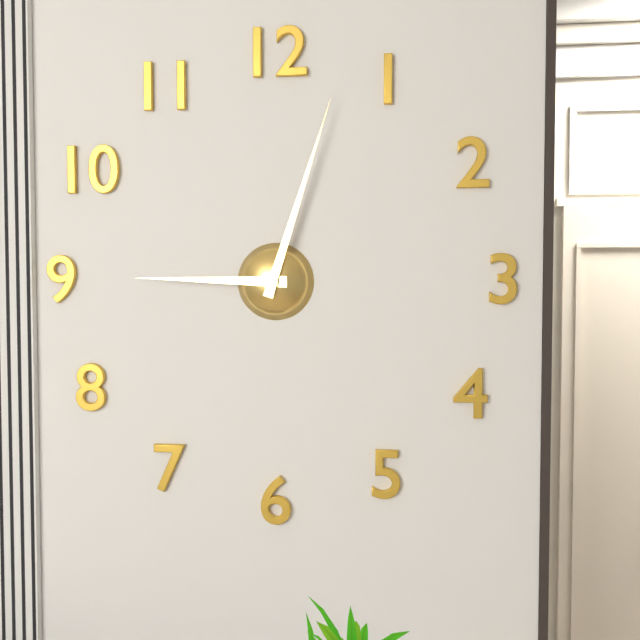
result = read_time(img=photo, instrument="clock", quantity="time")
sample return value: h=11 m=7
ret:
h=9 m=3
